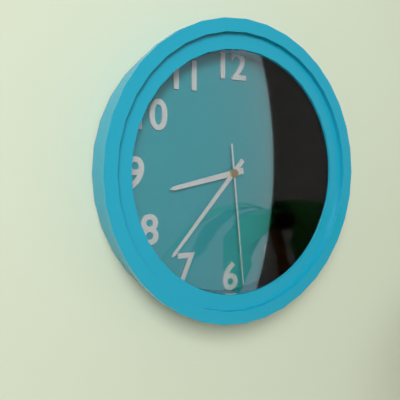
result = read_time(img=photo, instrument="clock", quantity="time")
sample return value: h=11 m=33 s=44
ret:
h=8 m=37 s=29
